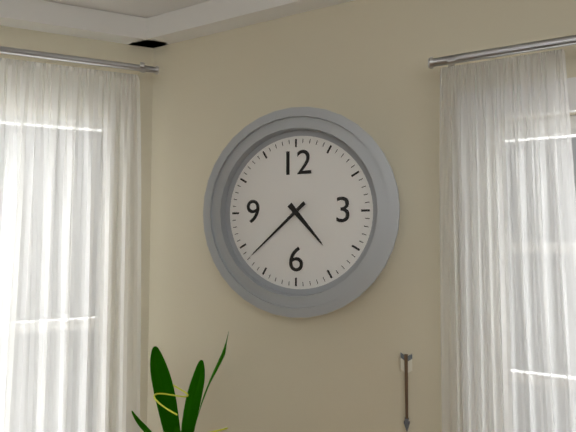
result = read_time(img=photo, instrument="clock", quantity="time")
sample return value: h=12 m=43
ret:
h=4 m=38
